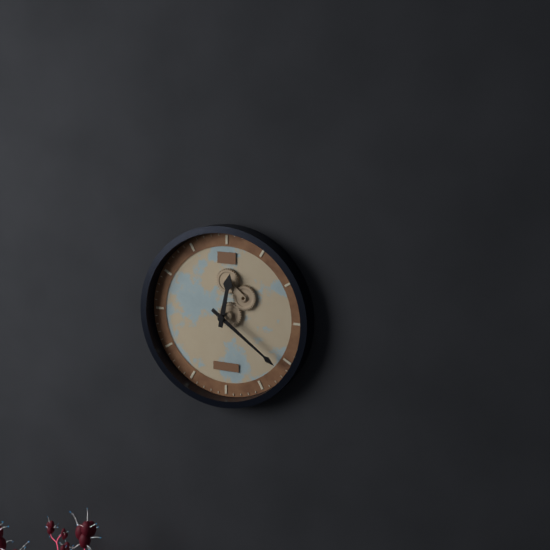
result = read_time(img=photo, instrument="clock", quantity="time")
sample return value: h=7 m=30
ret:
h=12 m=21
